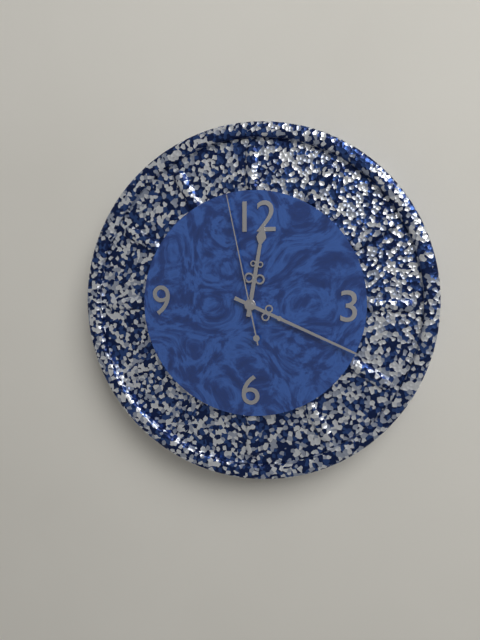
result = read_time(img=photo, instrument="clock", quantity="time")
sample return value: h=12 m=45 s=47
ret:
h=12 m=19 s=58
